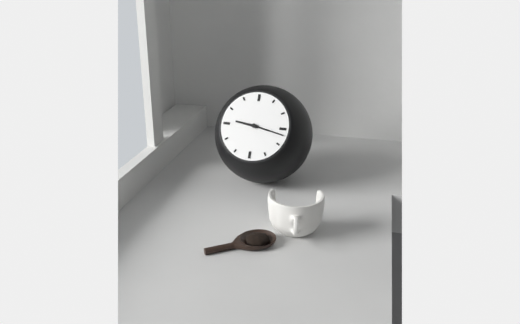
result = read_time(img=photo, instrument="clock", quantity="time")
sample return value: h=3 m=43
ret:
h=9 m=17
